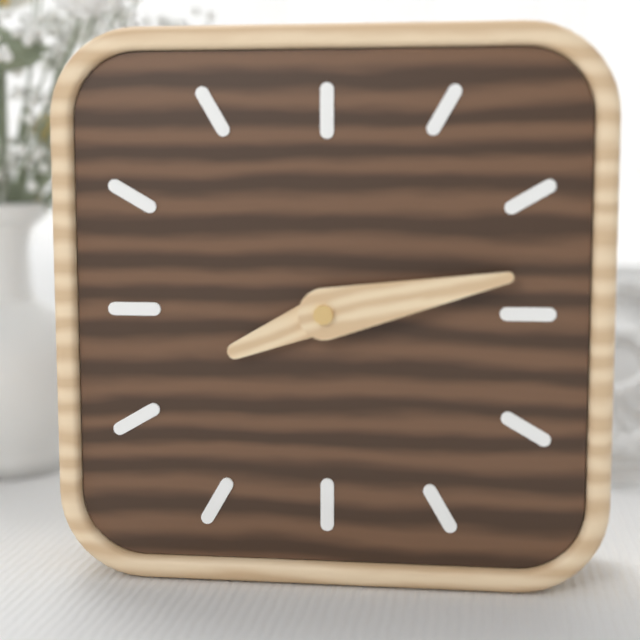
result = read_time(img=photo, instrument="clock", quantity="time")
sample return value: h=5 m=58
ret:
h=8 m=13
